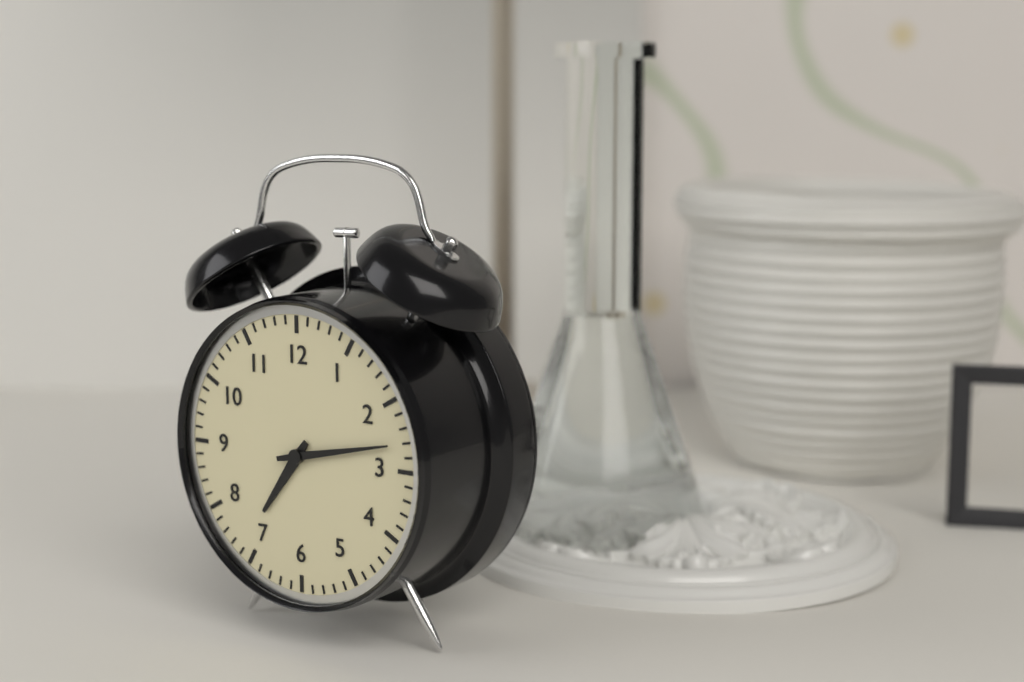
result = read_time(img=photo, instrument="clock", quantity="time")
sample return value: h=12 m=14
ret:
h=7 m=13
